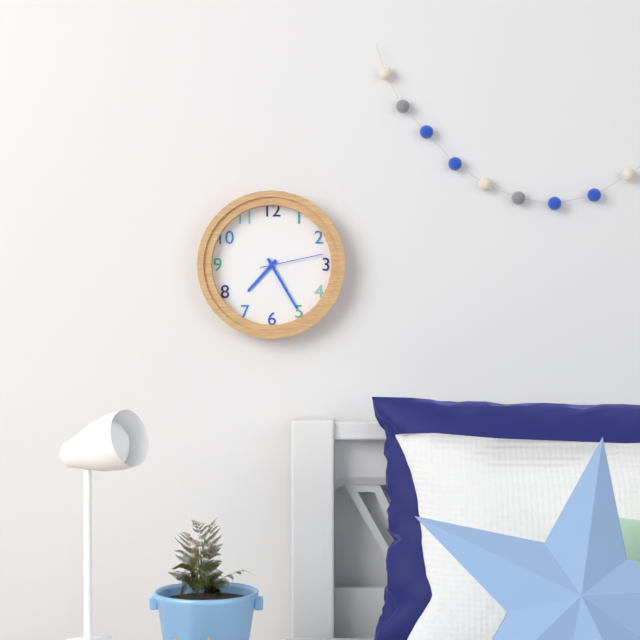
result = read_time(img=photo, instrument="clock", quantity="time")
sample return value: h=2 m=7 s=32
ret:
h=7 m=25 s=13
